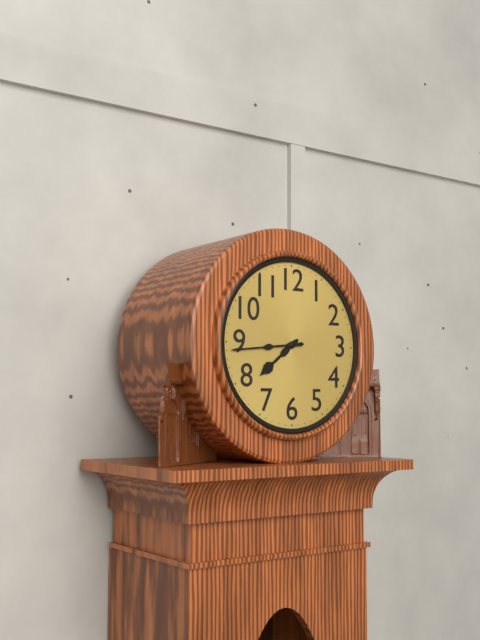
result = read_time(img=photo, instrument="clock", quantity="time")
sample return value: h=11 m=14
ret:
h=7 m=44
